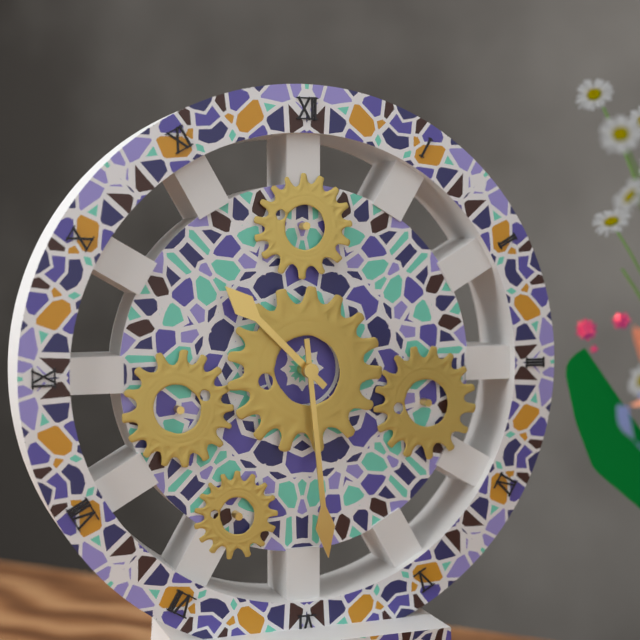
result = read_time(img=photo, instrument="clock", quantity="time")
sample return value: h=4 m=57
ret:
h=10 m=29
